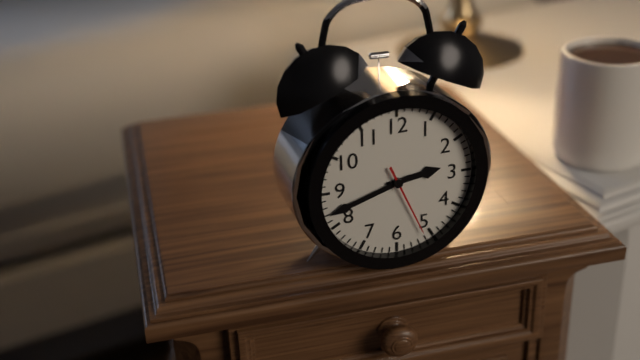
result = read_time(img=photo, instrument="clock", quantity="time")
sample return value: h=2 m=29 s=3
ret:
h=2 m=42 s=26
